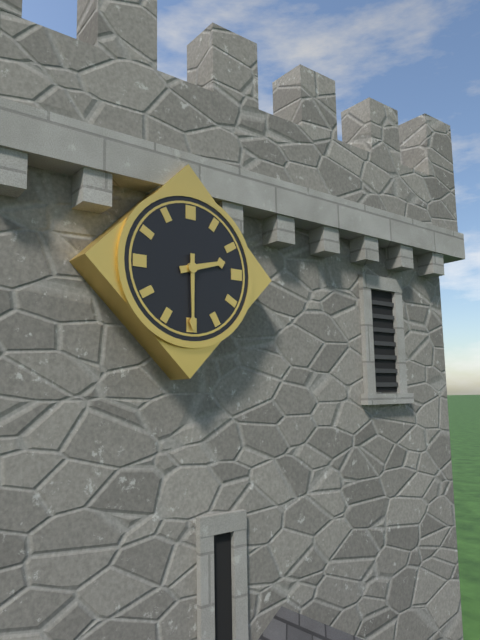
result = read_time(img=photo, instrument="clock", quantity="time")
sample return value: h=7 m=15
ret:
h=2 m=30
